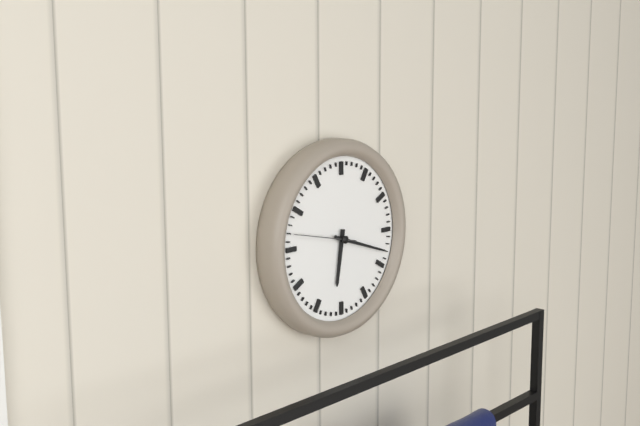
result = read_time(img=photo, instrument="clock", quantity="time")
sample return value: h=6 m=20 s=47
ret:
h=6 m=18 s=47
